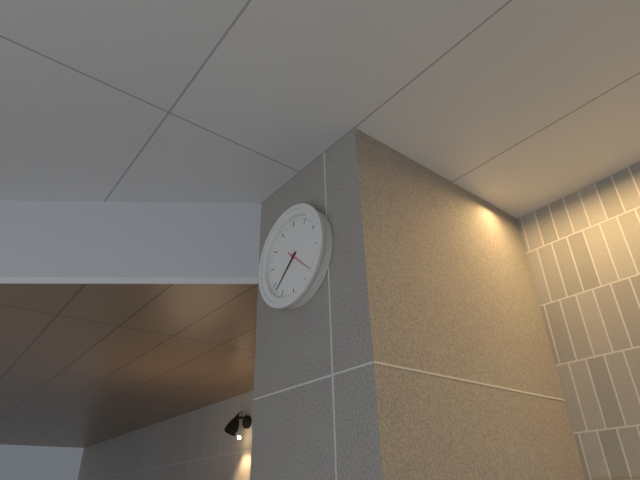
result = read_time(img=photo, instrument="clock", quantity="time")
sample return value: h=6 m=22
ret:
h=7 m=38
